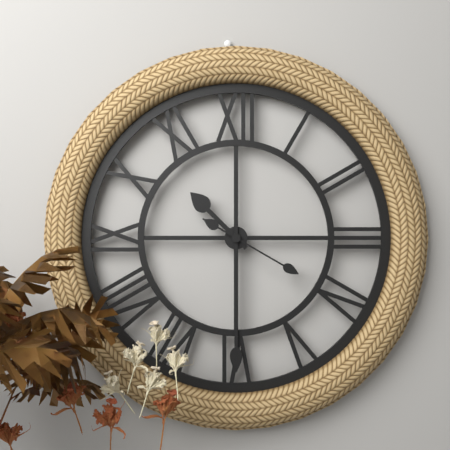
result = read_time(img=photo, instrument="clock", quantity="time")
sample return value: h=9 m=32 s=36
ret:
h=10 m=30 s=20
